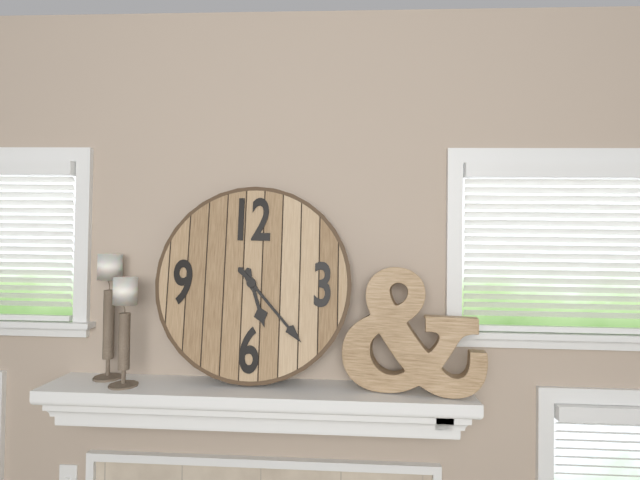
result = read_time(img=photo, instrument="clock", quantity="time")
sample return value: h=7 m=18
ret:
h=5 m=23
